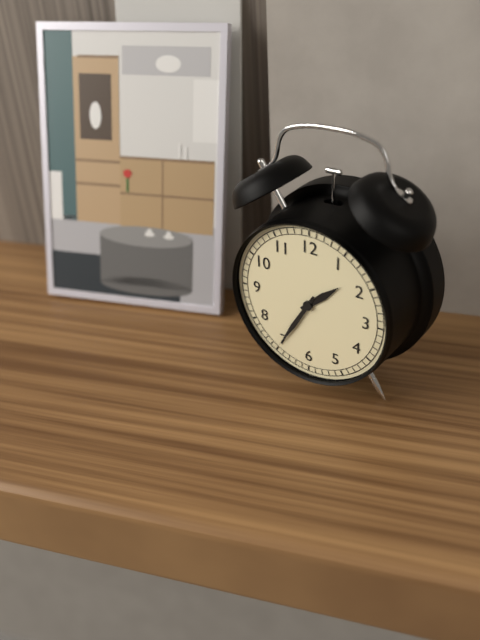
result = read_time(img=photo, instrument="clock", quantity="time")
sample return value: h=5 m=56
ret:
h=1 m=35
